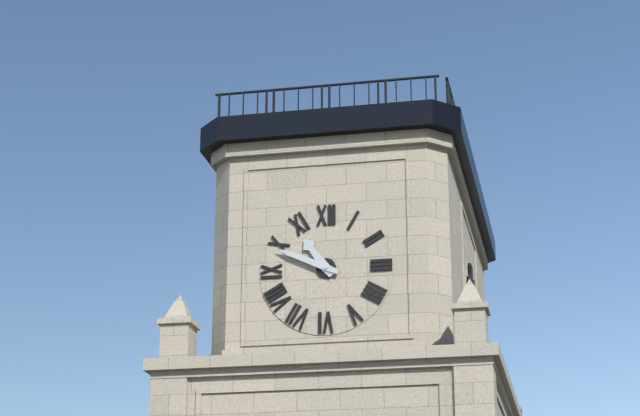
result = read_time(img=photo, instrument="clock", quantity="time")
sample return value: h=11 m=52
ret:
h=10 m=49
